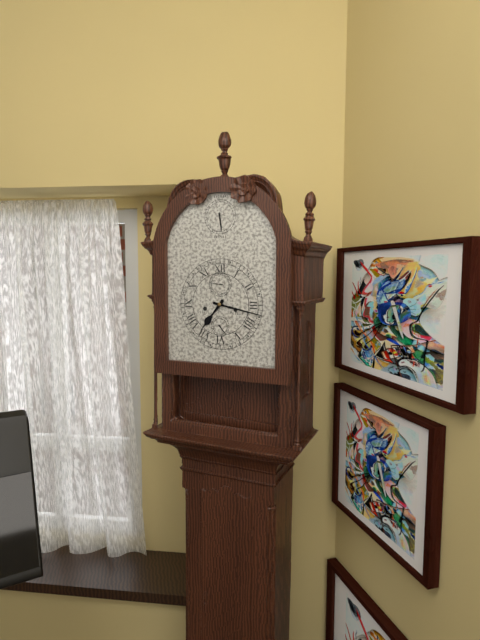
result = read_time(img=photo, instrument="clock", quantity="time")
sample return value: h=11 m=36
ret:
h=7 m=17
